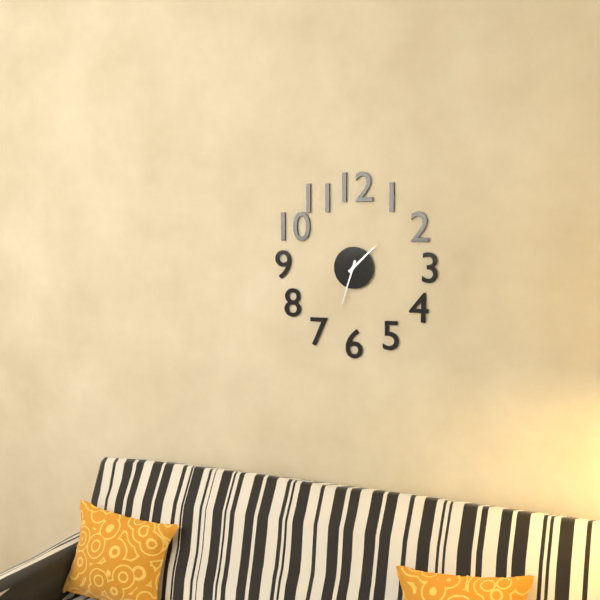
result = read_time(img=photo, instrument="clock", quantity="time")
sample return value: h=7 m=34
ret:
h=1 m=33
